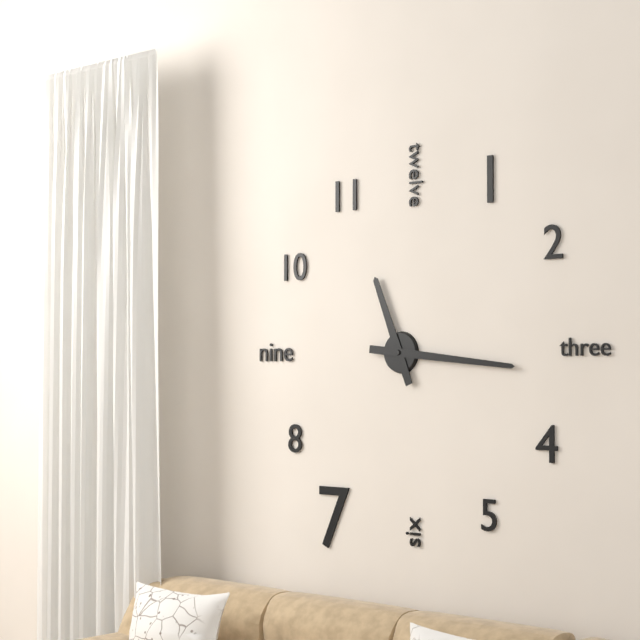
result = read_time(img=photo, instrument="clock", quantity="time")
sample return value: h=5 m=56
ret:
h=11 m=16
